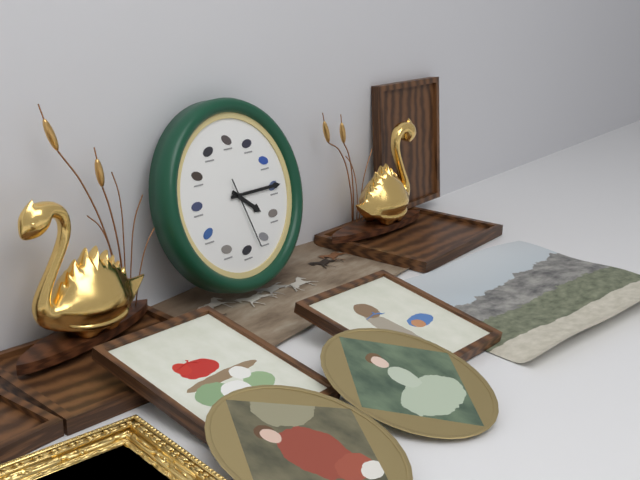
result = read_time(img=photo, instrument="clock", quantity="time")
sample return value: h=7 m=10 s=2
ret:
h=4 m=15 s=27
